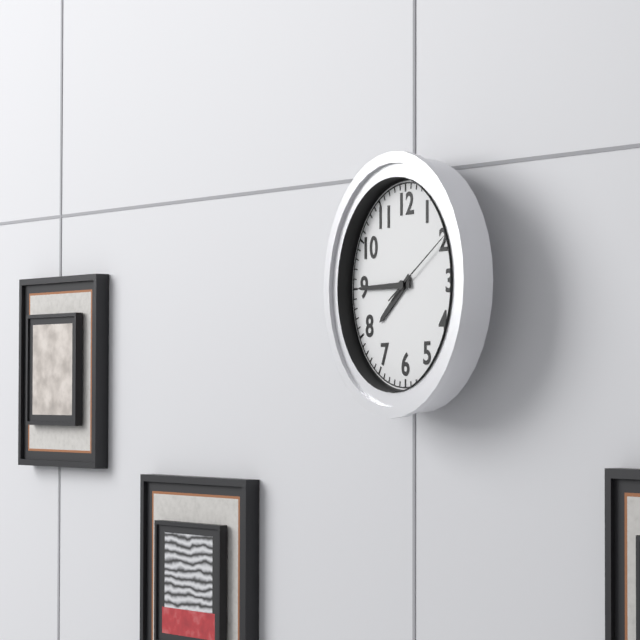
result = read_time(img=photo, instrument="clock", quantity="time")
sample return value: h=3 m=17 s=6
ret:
h=7 m=45 s=10
